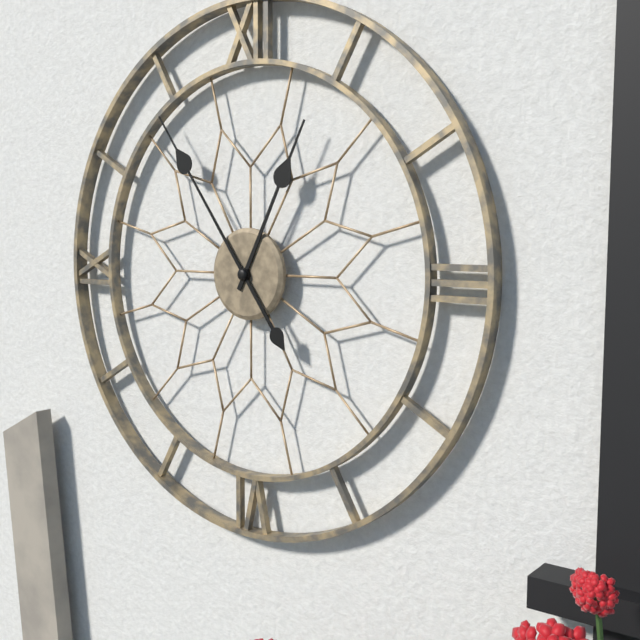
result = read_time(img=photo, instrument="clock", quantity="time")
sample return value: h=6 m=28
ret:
h=12 m=54
